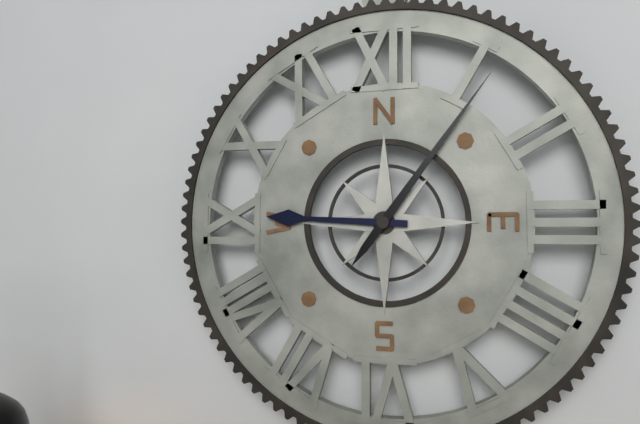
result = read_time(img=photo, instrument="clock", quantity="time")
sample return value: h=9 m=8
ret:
h=9 m=6
